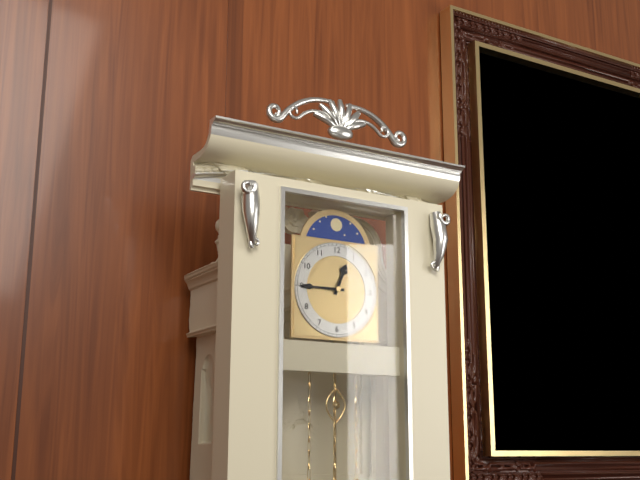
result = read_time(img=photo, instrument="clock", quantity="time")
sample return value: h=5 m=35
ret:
h=12 m=45
